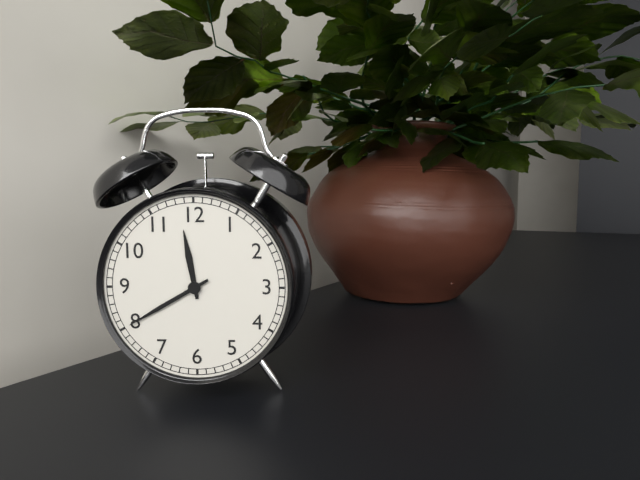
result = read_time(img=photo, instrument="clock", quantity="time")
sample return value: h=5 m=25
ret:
h=11 m=40
